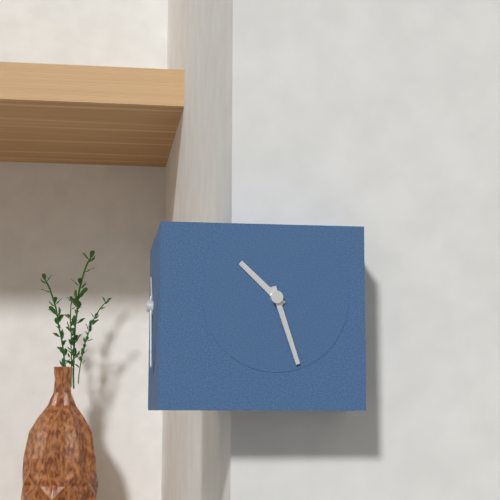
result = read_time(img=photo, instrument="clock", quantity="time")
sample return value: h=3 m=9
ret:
h=10 m=27
